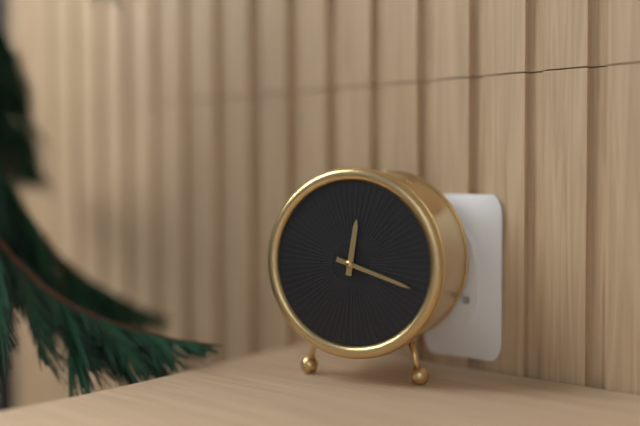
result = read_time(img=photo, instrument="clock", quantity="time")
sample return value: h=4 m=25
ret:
h=12 m=18
